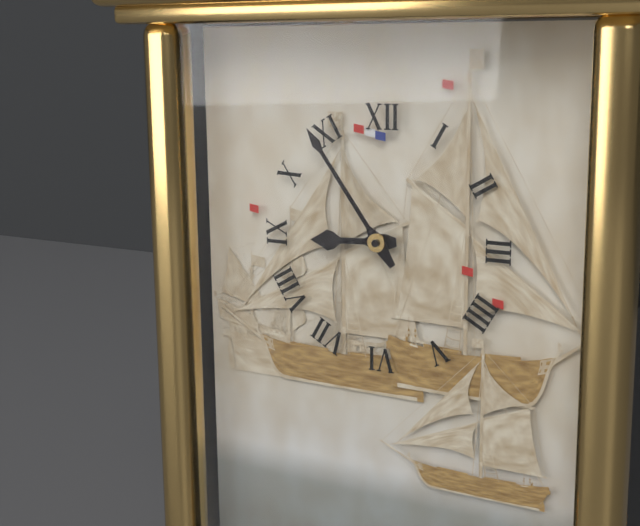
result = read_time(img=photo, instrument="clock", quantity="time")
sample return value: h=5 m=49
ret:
h=8 m=54
